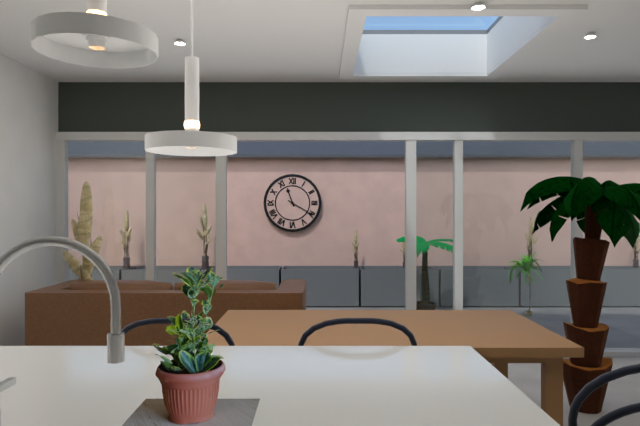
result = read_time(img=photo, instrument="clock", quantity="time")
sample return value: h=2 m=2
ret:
h=11 m=20
